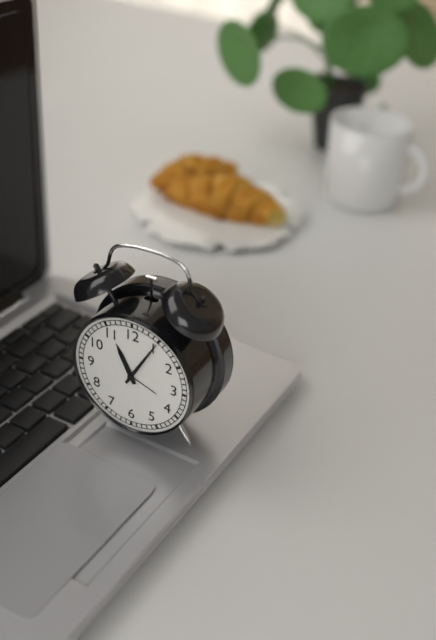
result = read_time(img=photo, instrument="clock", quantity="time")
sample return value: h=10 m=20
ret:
h=11 m=5
